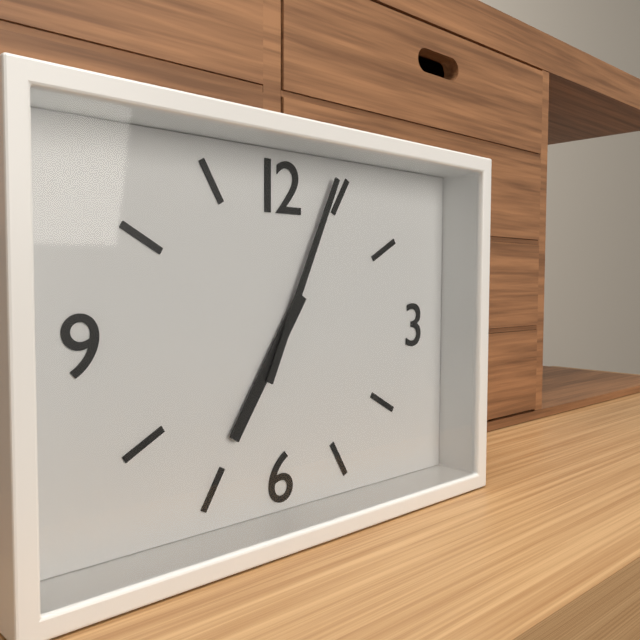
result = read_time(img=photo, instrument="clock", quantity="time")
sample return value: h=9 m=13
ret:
h=7 m=4
